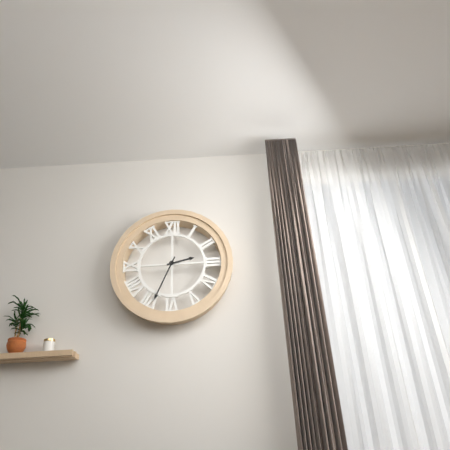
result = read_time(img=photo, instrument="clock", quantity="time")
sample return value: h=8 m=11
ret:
h=2 m=34
